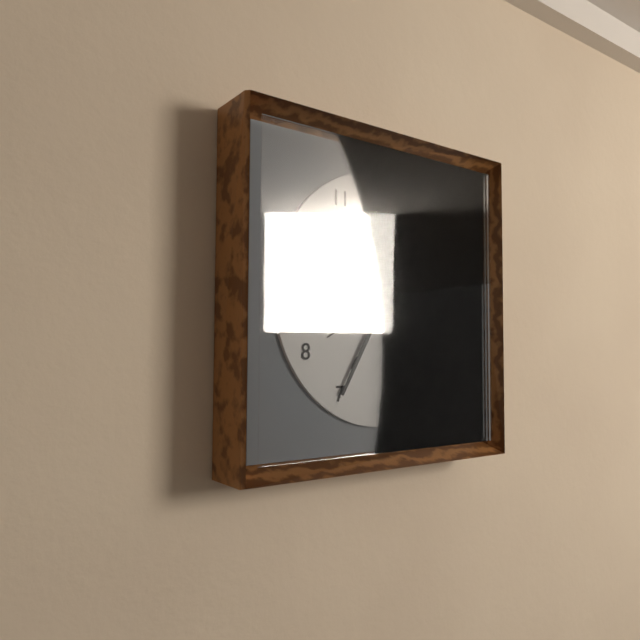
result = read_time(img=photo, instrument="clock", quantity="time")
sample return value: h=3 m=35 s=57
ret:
h=3 m=35 s=8
